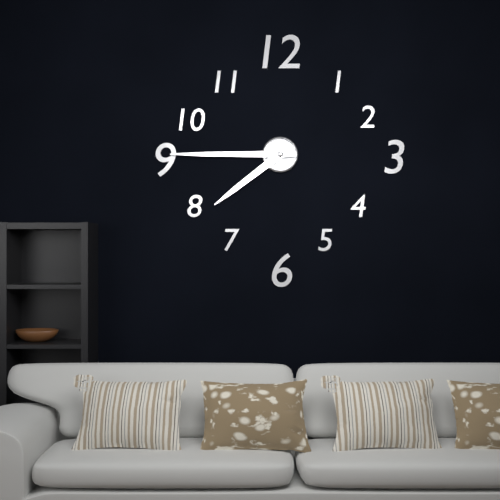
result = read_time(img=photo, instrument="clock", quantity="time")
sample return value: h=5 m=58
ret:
h=7 m=45
